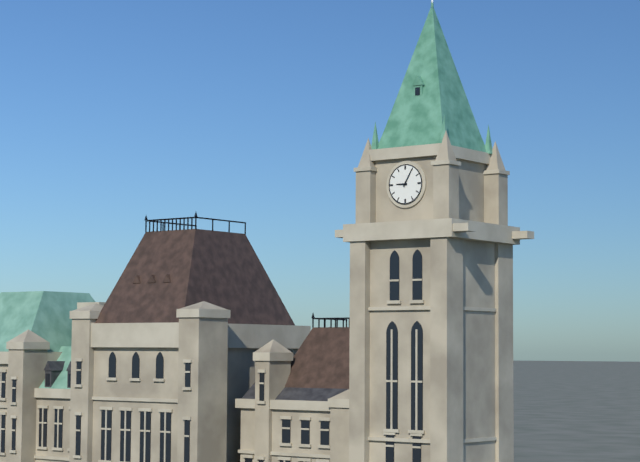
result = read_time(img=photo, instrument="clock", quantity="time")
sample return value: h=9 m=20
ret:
h=9 m=5
